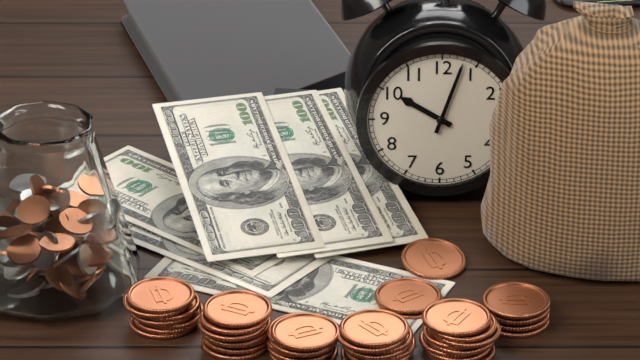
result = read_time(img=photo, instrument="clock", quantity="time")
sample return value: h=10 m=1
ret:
h=10 m=3
